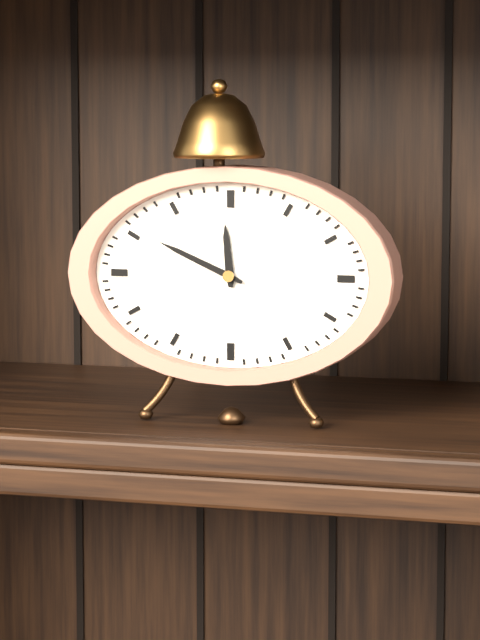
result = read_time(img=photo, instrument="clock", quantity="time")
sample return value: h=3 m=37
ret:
h=11 m=49
